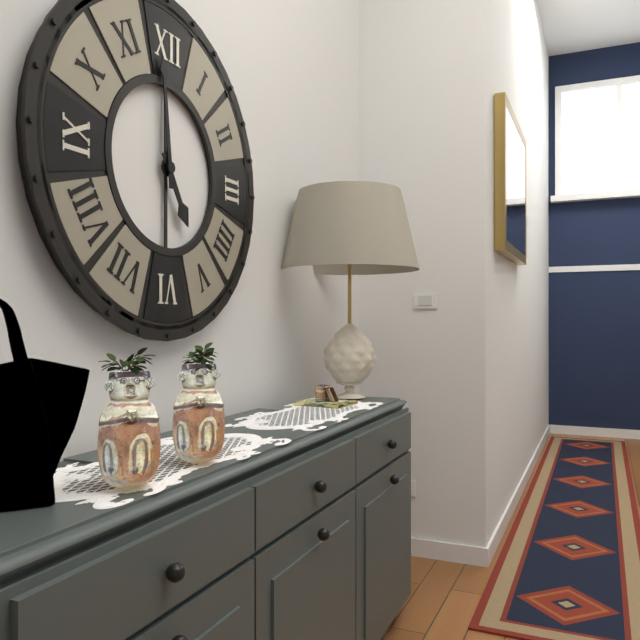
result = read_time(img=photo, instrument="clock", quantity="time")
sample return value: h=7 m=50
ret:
h=4 m=59
